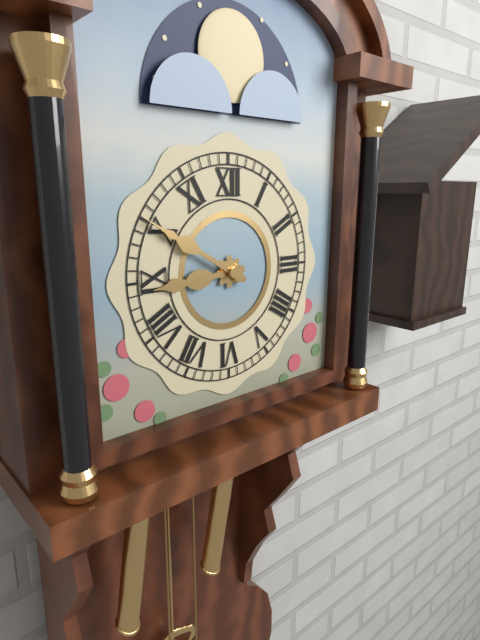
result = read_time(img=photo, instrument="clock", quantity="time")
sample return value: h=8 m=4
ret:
h=8 m=50
